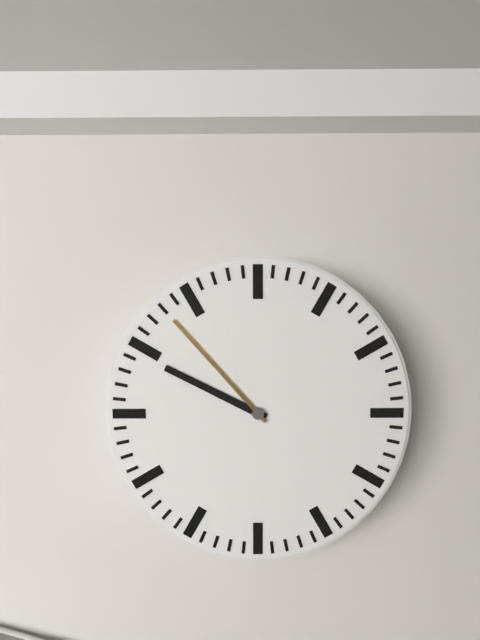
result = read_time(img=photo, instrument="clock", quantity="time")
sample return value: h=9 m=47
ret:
h=9 m=53
